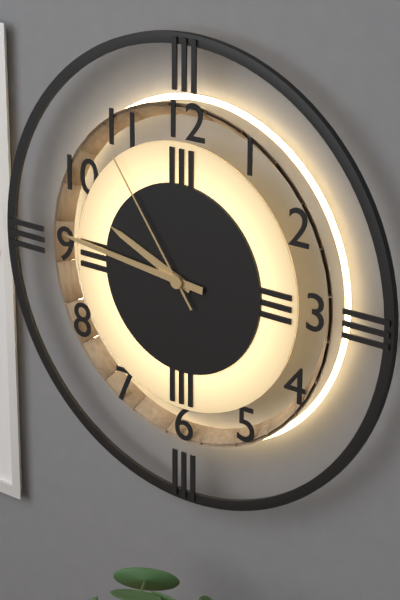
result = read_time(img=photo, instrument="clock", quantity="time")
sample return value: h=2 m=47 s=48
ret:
h=9 m=46 s=54
